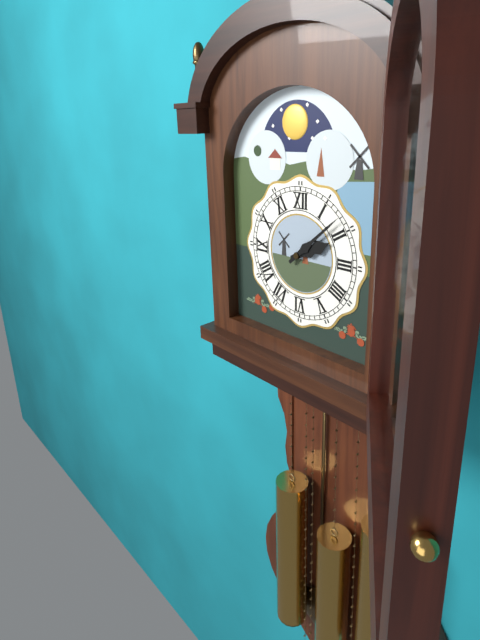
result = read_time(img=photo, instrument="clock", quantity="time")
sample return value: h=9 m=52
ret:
h=2 m=8
